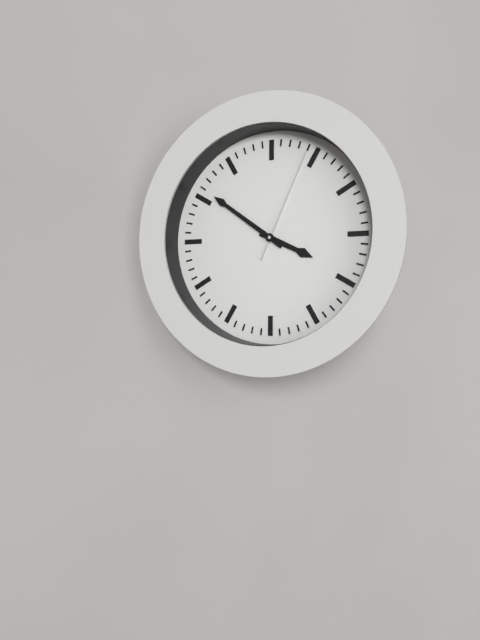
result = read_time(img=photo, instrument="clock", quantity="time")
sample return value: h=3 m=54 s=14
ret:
h=3 m=51 s=4
